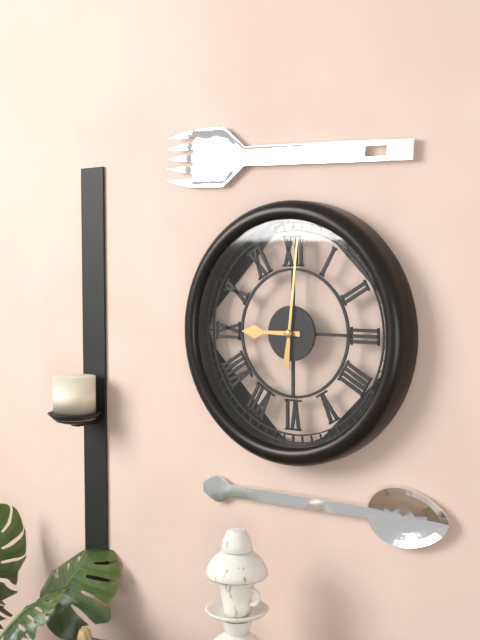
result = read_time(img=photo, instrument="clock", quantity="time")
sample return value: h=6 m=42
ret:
h=9 m=1
